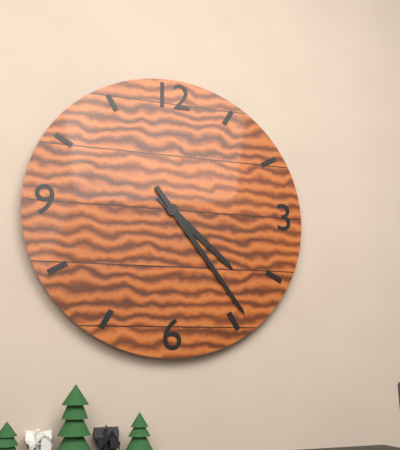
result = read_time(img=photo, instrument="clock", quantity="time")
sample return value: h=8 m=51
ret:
h=4 m=24
